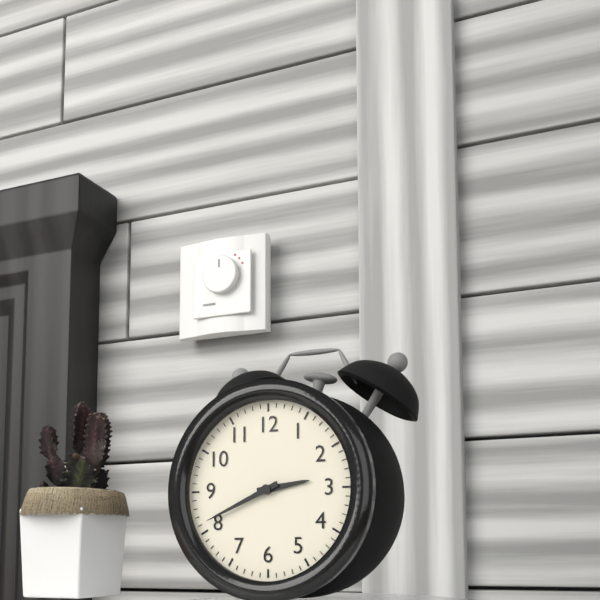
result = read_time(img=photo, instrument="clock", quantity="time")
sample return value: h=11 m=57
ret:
h=2 m=41
